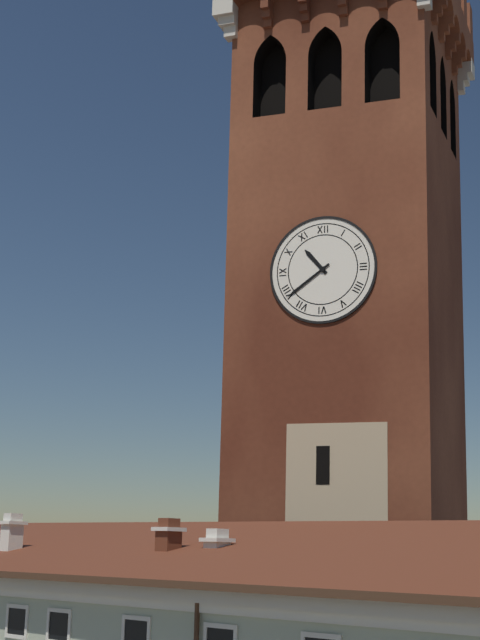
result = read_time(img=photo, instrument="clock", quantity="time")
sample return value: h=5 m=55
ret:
h=10 m=39
